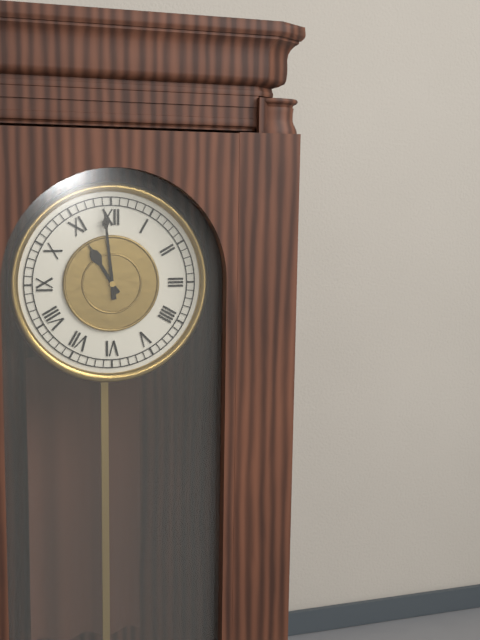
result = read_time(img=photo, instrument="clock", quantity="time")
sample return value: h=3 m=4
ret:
h=10 m=59
